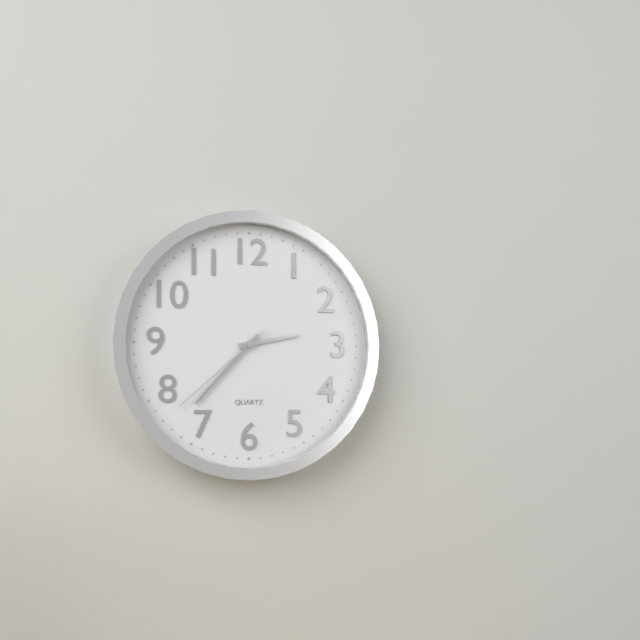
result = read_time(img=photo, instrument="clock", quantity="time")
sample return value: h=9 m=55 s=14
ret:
h=2 m=37 s=38
